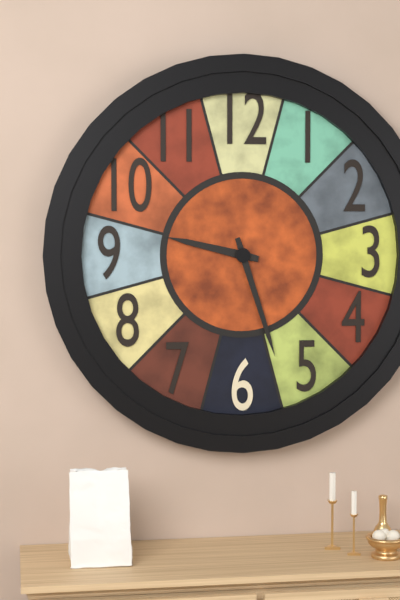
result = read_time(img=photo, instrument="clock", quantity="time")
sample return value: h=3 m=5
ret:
h=9 m=27
